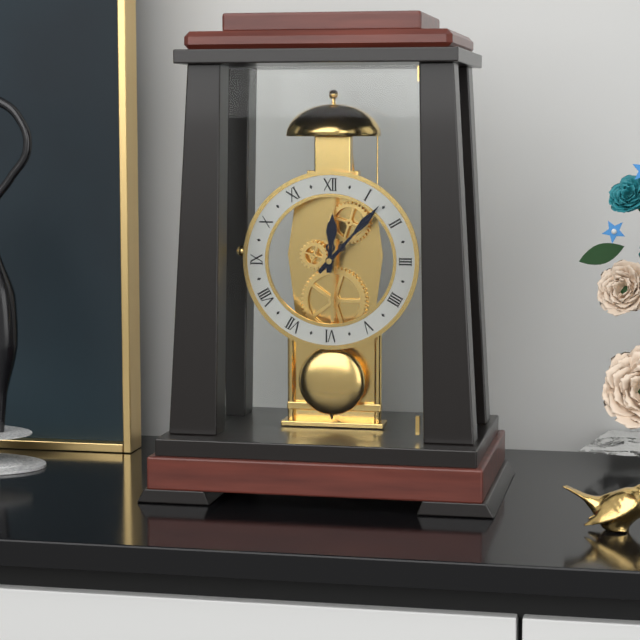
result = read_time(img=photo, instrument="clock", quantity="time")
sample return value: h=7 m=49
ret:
h=12 m=7
